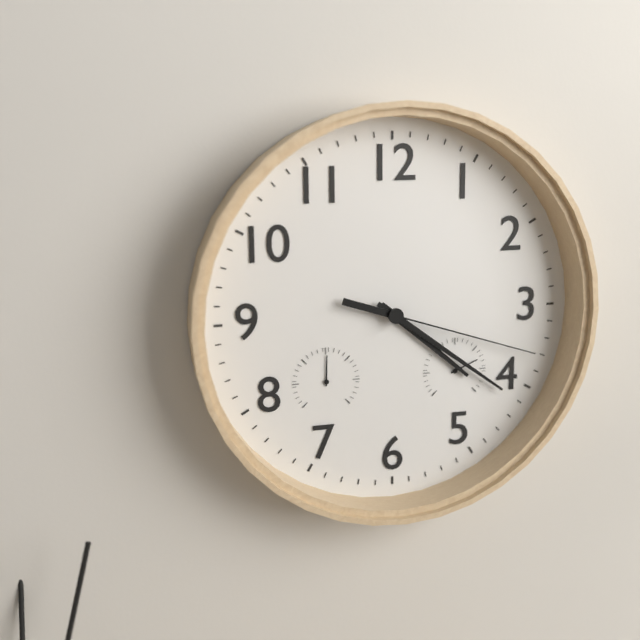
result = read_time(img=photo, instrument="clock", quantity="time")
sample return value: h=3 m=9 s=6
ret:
h=4 m=21 s=18
